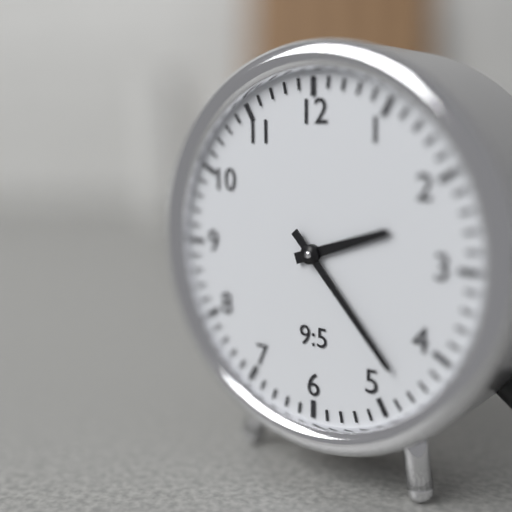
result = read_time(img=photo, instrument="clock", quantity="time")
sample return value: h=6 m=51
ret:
h=2 m=23
